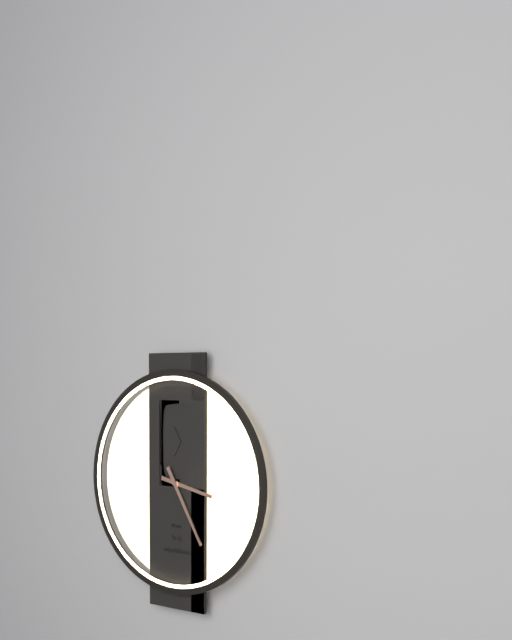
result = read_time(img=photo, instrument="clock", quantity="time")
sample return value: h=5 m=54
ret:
h=3 m=25
